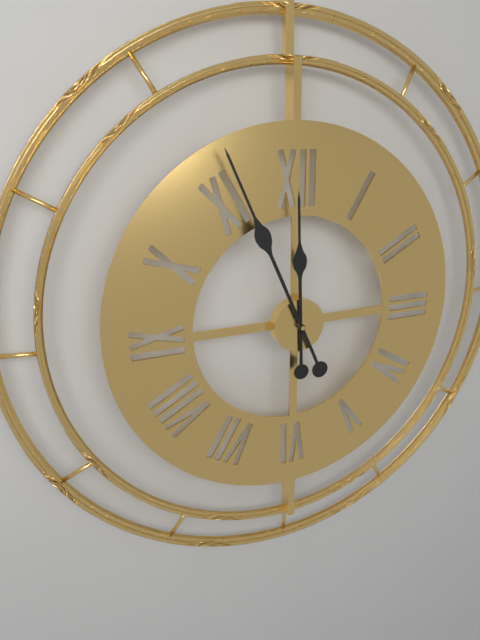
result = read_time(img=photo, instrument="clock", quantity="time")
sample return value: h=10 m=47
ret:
h=11 m=56
